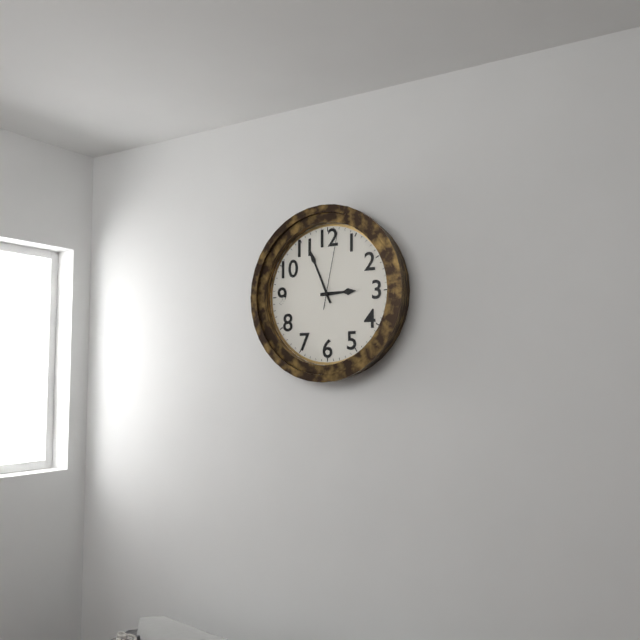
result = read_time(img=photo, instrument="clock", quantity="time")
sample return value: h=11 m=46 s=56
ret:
h=2 m=56 s=2
